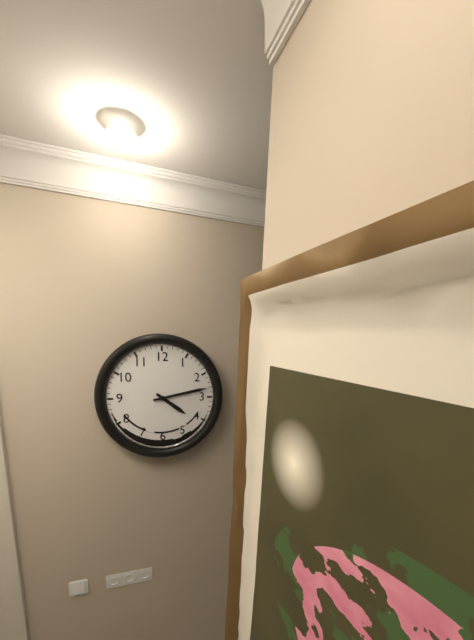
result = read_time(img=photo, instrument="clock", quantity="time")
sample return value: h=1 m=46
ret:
h=4 m=13
